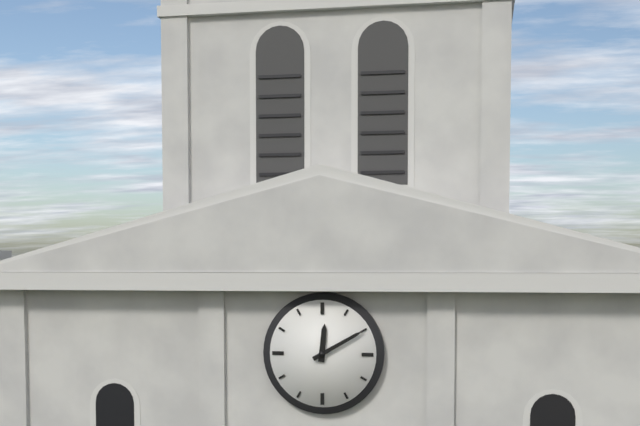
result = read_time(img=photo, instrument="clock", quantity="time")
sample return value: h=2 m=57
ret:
h=12 m=10
